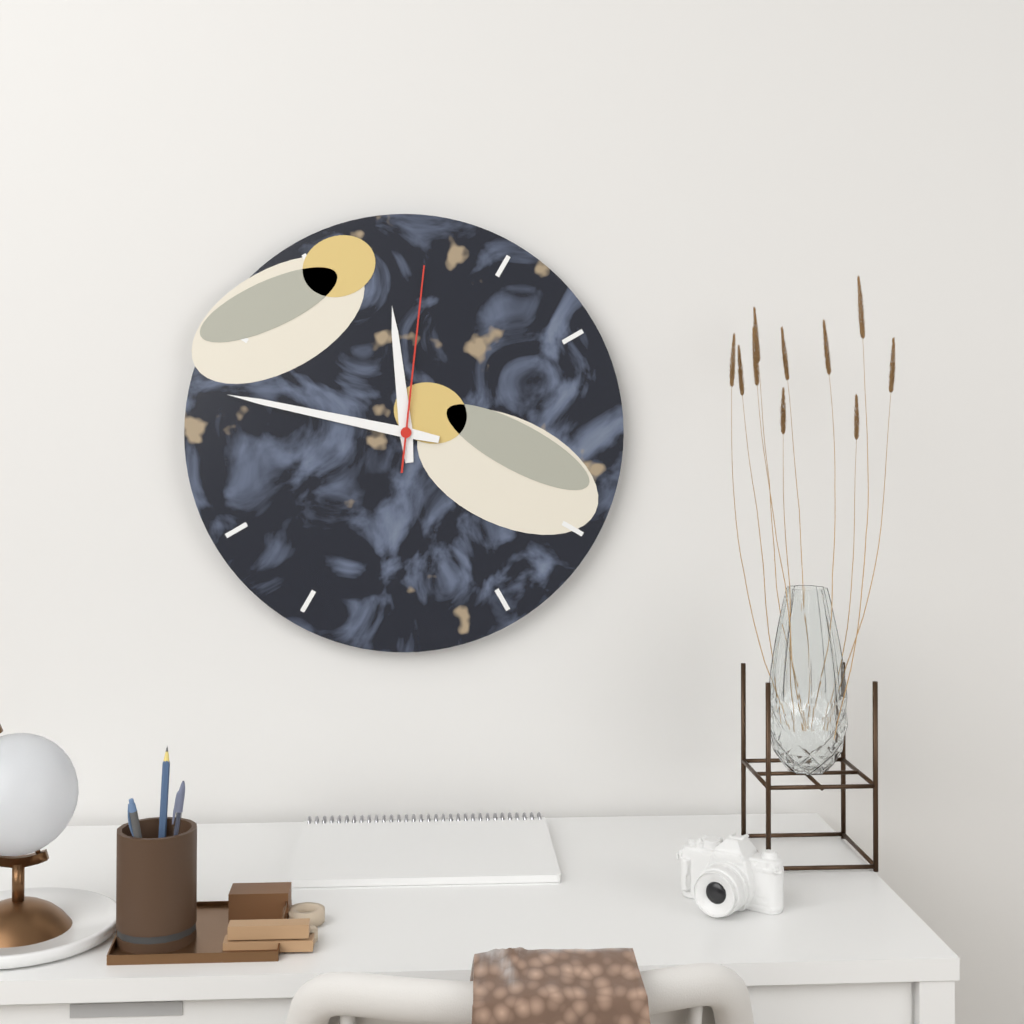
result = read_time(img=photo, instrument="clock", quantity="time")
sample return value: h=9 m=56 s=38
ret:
h=11 m=47 s=1
